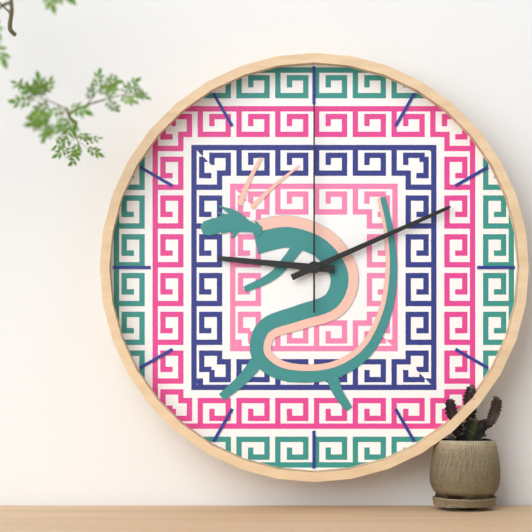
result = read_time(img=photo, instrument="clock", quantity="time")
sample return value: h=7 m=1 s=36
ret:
h=9 m=11 s=0
